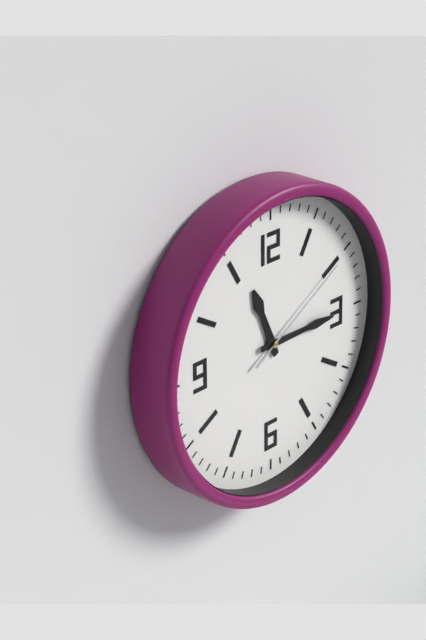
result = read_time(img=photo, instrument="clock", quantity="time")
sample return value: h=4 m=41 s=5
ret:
h=11 m=15 s=10
